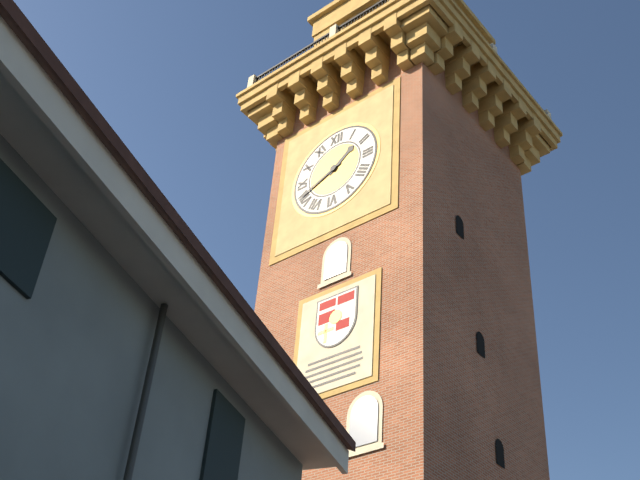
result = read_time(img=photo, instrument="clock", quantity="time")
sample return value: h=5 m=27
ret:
h=1 m=41
